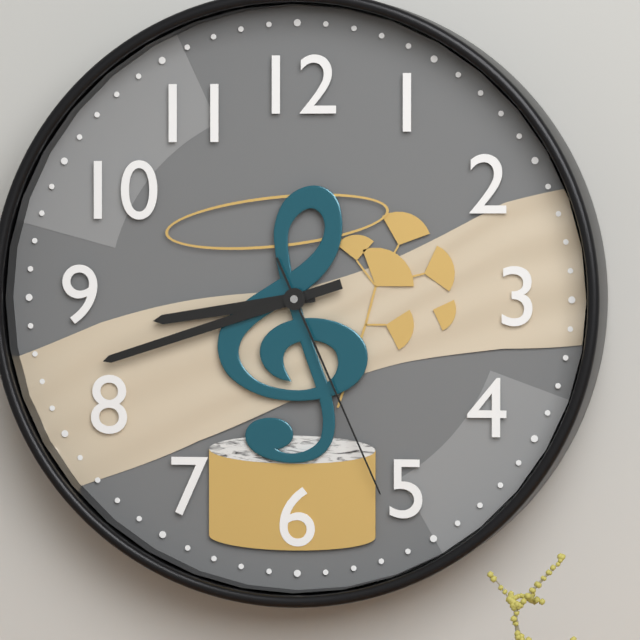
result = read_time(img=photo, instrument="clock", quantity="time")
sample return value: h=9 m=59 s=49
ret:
h=8 m=42 s=26
